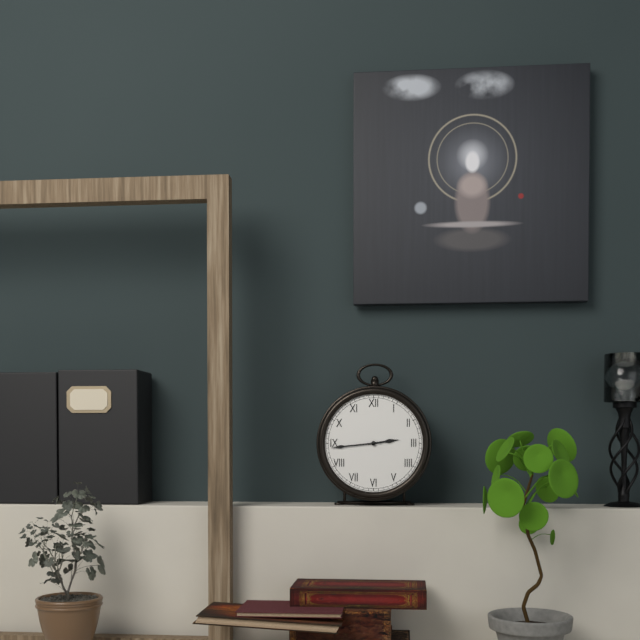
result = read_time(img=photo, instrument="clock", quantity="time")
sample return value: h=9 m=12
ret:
h=2 m=44
